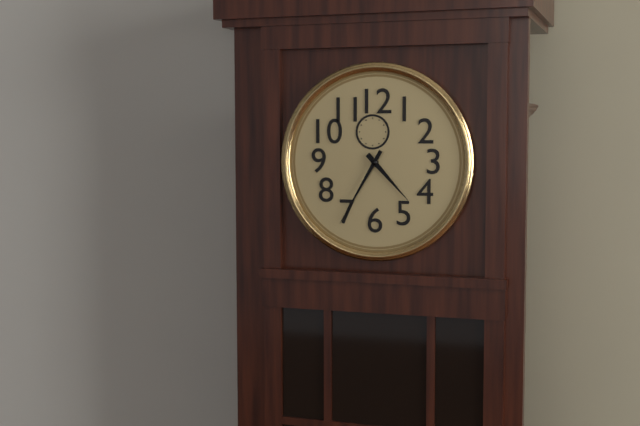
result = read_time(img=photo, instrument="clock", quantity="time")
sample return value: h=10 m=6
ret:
h=4 m=35
